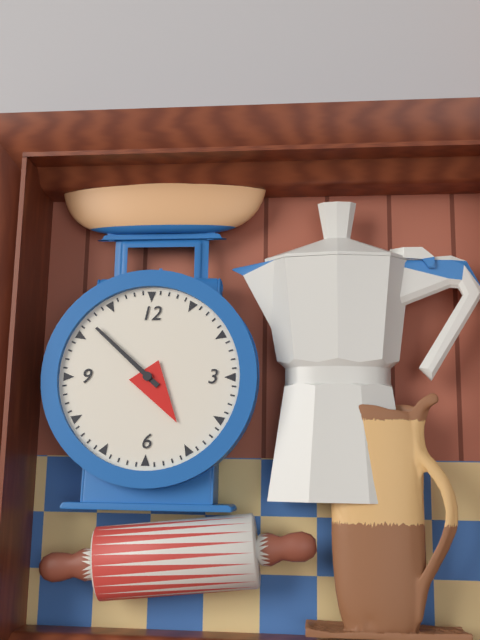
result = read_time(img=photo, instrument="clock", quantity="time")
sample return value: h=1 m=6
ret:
h=4 m=52
